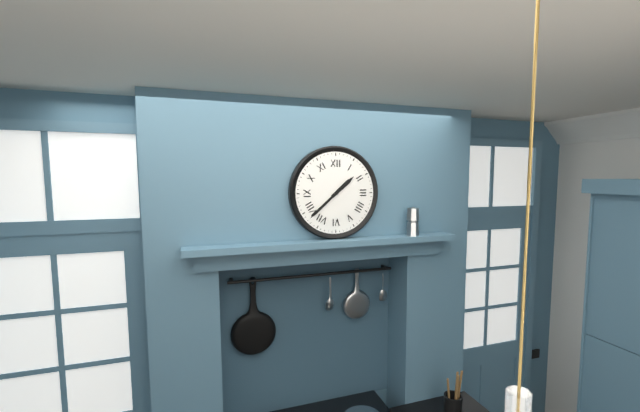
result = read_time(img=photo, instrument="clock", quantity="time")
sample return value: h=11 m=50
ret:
h=1 m=38
